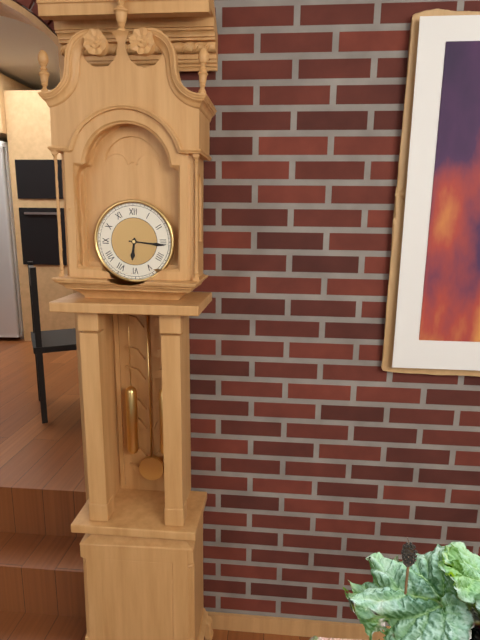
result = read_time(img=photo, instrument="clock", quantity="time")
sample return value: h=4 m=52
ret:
h=6 m=16
